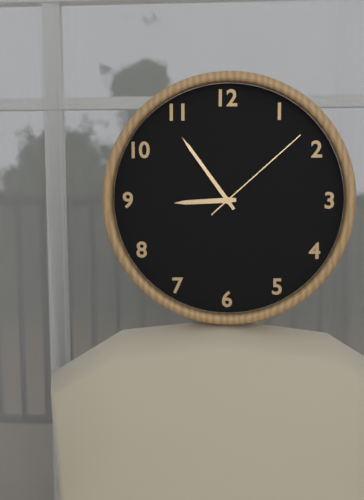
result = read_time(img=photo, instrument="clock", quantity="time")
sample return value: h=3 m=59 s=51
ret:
h=8 m=54 s=8
